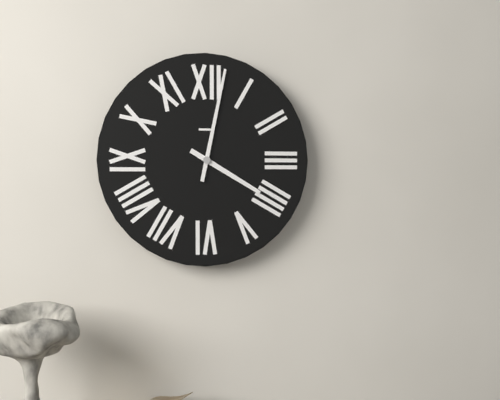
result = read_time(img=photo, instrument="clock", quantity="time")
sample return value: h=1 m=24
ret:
h=4 m=2
